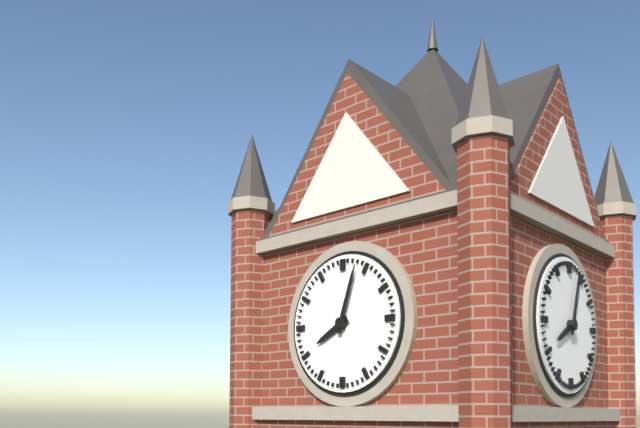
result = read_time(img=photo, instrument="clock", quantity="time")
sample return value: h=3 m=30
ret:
h=8 m=3
